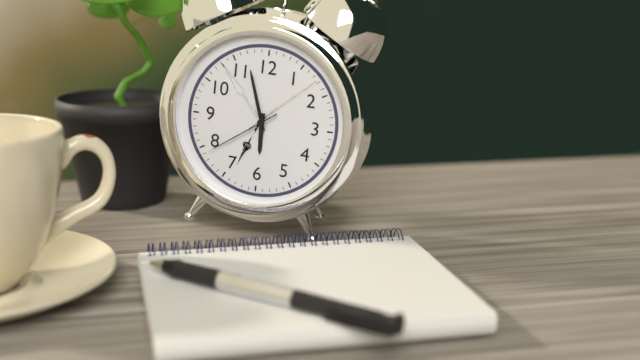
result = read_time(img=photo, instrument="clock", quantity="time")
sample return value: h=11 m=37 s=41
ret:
h=5 m=57 s=39
